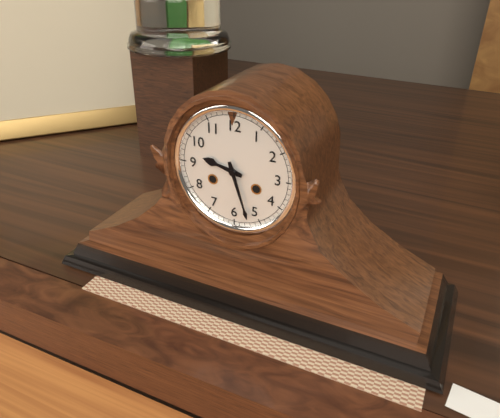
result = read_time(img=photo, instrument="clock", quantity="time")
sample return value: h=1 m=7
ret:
h=9 m=27
